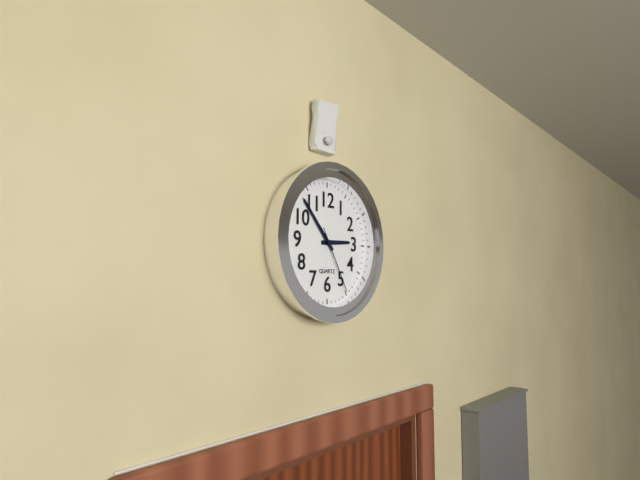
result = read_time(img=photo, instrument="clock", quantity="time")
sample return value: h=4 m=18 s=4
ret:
h=2 m=53 s=25
